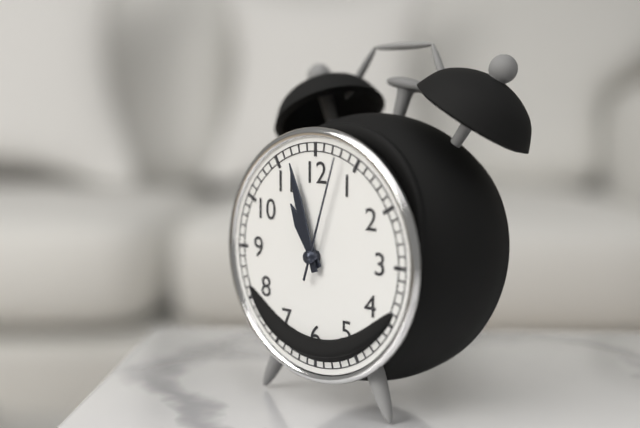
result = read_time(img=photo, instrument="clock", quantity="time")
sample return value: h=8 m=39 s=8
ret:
h=10 m=57 s=3
